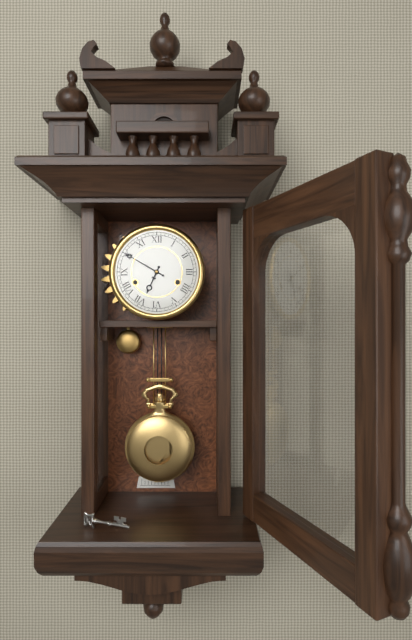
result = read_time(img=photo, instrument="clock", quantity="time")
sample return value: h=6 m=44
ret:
h=6 m=50
